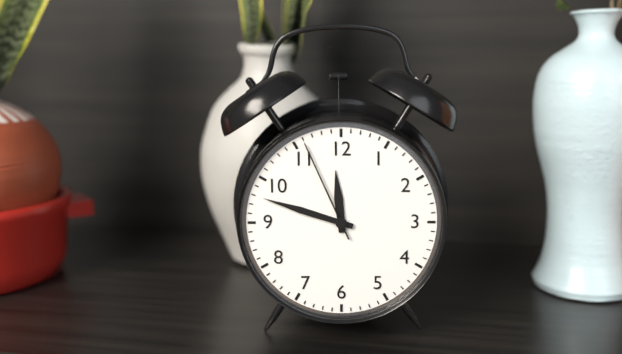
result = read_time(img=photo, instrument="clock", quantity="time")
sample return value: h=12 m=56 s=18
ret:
h=11 m=48 s=56
